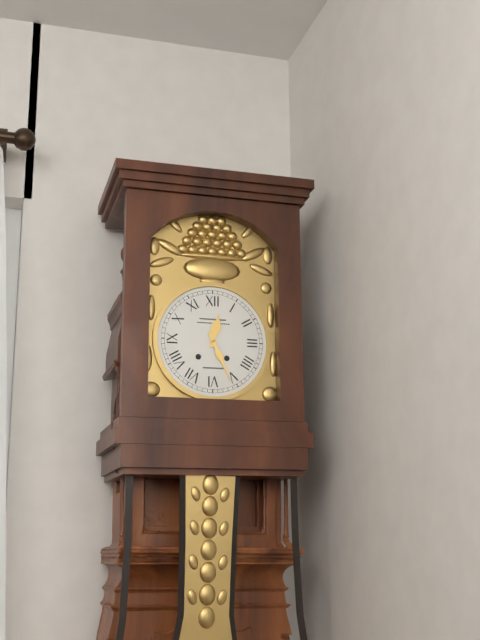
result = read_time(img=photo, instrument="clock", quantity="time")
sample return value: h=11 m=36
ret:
h=12 m=26
